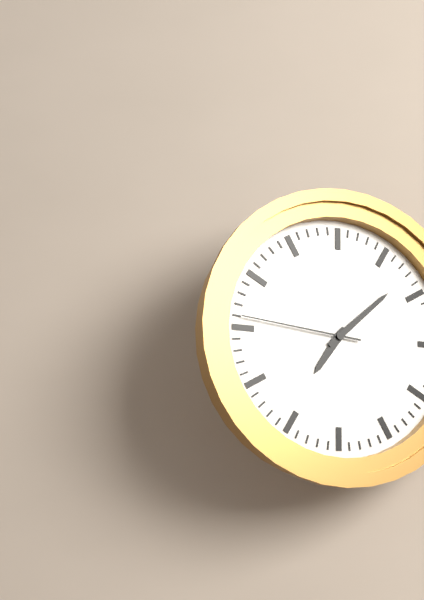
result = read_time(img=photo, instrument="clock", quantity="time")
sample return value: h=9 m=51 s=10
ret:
h=7 m=8 s=46
